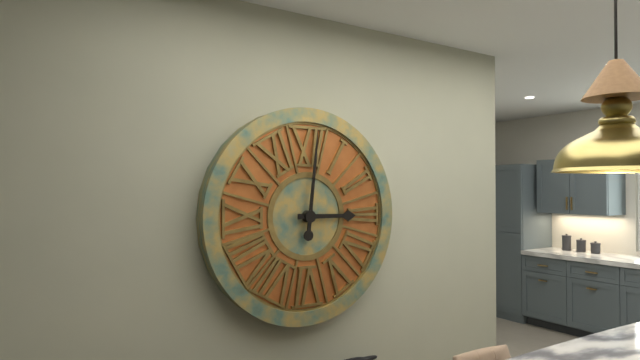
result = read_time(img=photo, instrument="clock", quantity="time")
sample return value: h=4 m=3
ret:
h=3 m=1
